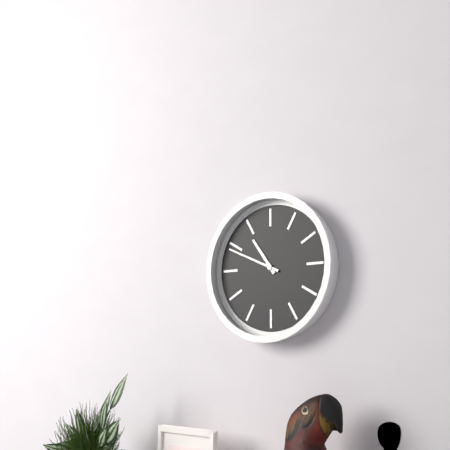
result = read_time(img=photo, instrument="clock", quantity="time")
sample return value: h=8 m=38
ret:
h=10 m=49
